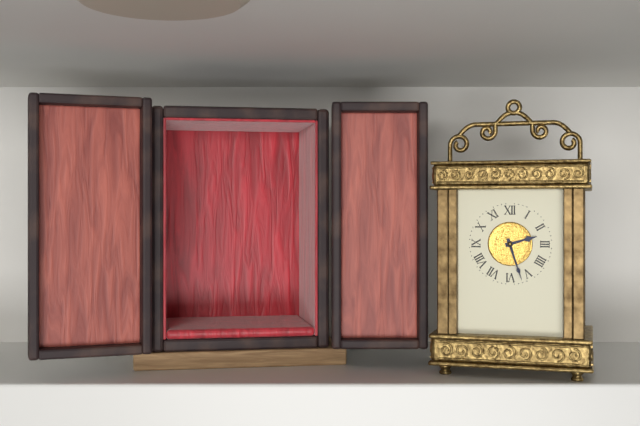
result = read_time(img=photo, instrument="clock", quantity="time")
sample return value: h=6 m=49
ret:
h=2 m=27
